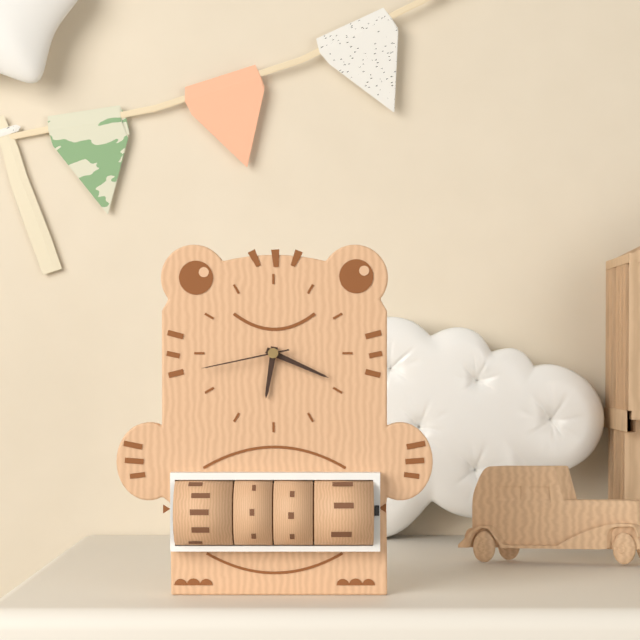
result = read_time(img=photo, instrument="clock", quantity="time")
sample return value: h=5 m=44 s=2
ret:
h=6 m=19 s=43
